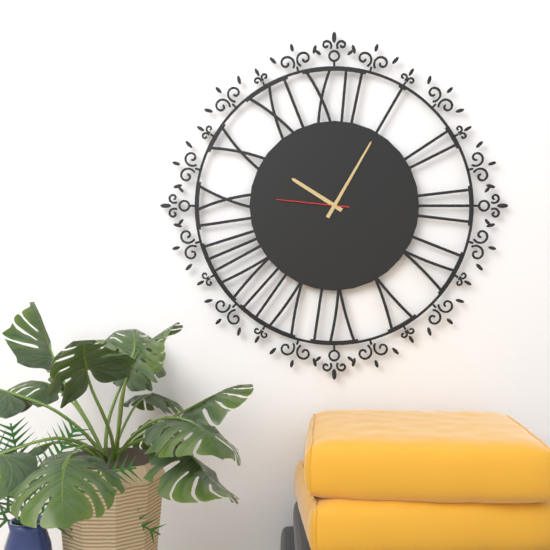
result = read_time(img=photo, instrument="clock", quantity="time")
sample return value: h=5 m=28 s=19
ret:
h=10 m=5 s=46
